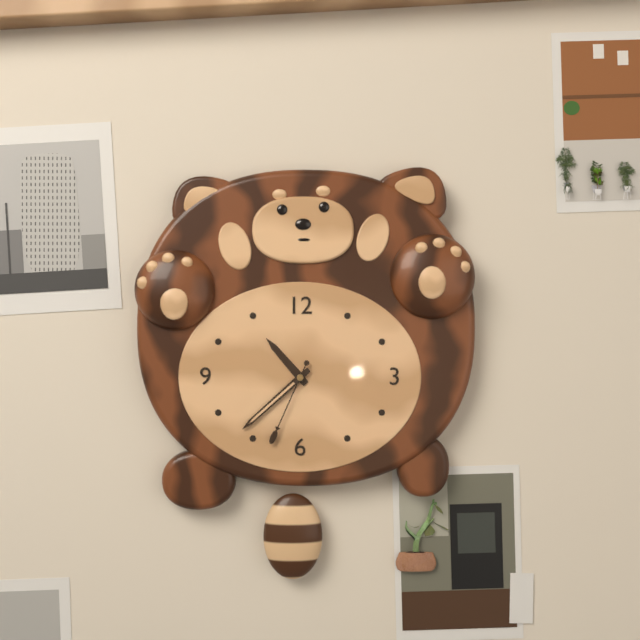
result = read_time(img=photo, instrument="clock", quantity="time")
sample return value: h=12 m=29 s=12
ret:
h=10 m=38 s=34
